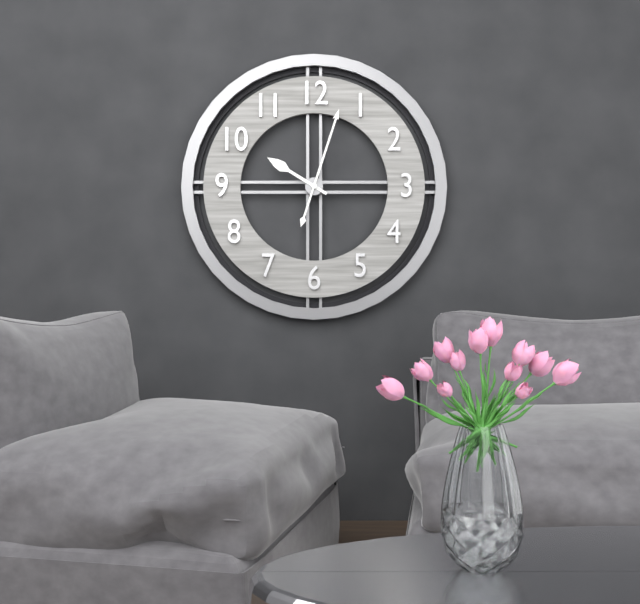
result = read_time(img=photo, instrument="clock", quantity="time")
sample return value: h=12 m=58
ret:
h=10 m=3
